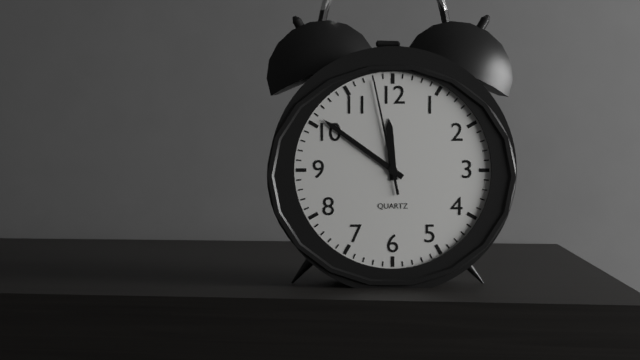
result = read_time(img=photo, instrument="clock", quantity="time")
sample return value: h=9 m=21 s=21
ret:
h=11 m=51 s=58
